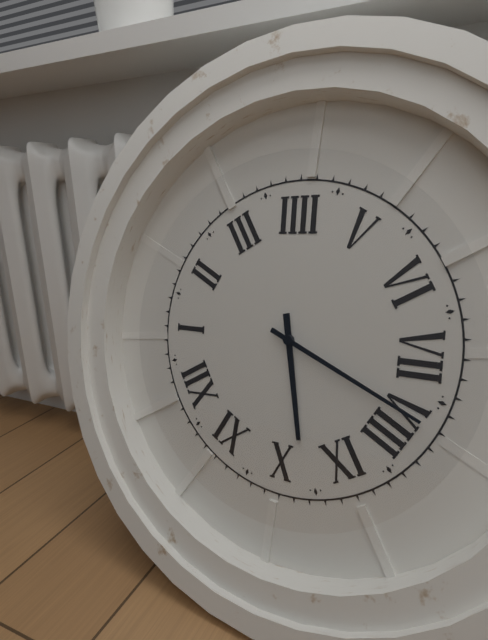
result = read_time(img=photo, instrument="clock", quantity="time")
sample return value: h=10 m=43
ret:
h=9 m=39
